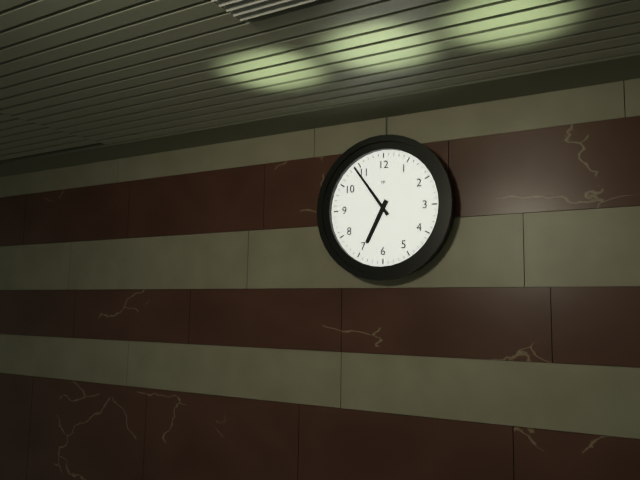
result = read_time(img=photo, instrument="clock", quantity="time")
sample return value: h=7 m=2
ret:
h=6 m=54
